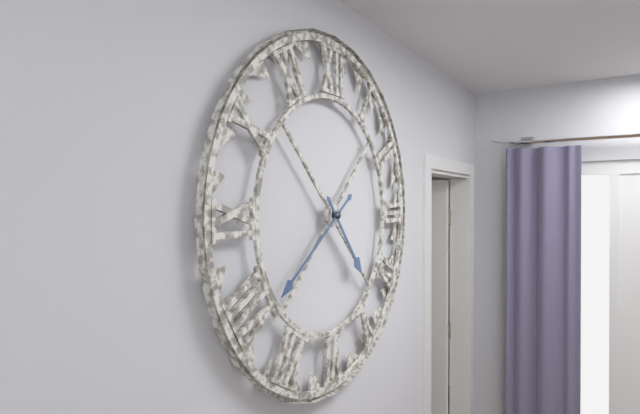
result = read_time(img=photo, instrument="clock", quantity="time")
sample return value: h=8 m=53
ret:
h=4 m=39
